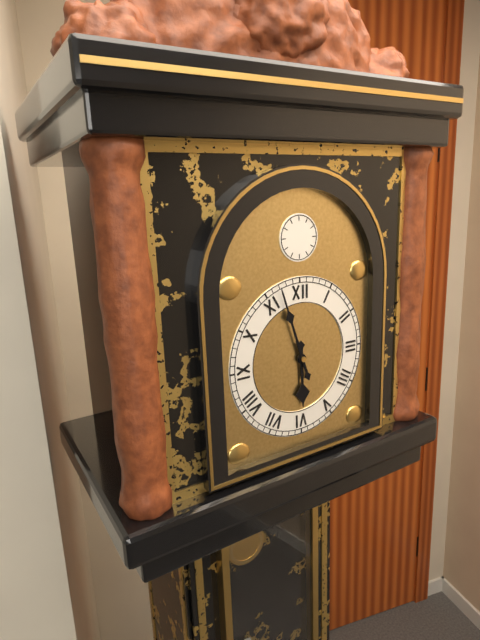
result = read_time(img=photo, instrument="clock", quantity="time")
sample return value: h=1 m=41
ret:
h=5 m=57
